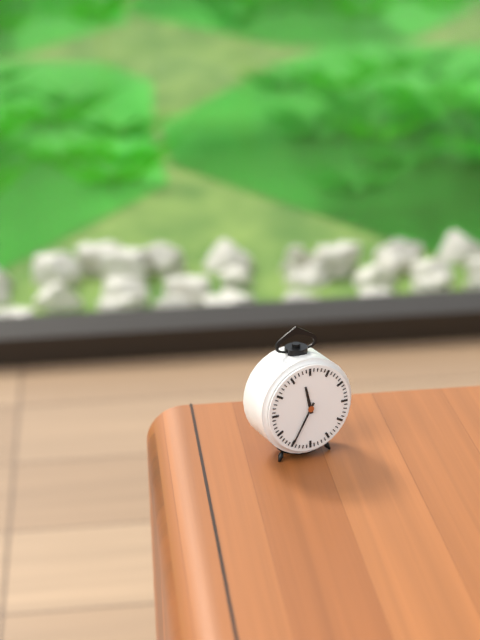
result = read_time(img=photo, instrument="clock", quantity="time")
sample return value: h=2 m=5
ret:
h=11 m=35
